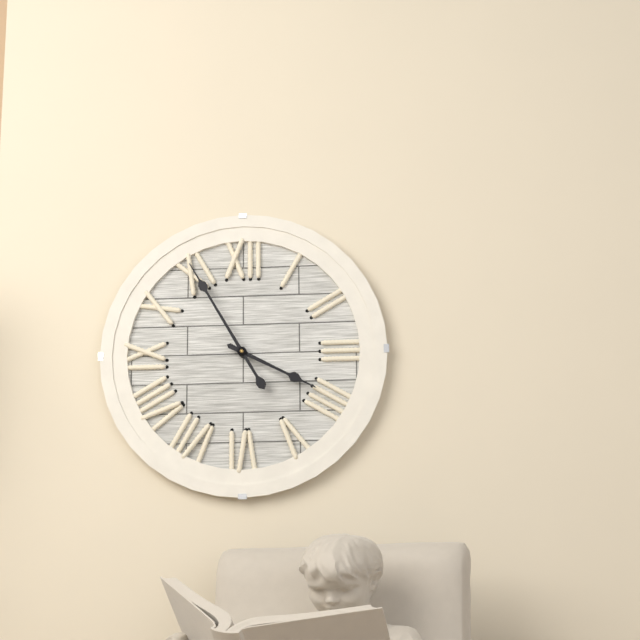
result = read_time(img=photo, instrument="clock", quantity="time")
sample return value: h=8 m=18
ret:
h=3 m=55
